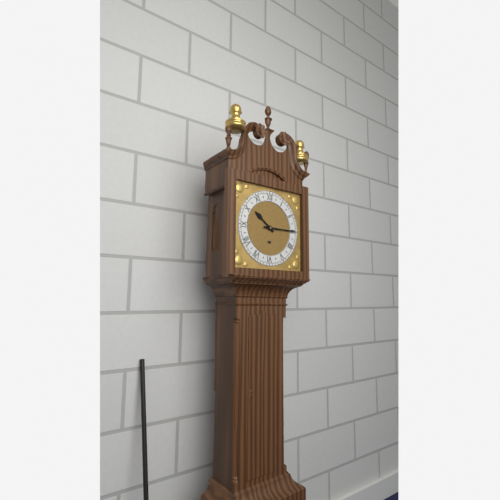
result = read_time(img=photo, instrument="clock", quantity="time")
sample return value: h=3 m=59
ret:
h=10 m=15
